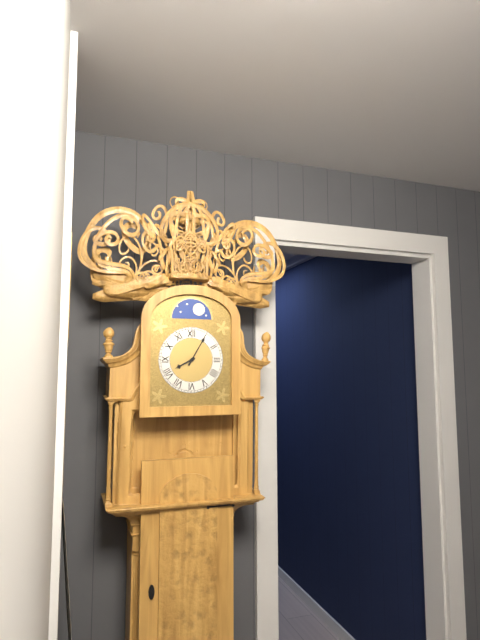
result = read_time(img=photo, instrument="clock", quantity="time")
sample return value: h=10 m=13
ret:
h=8 m=5
